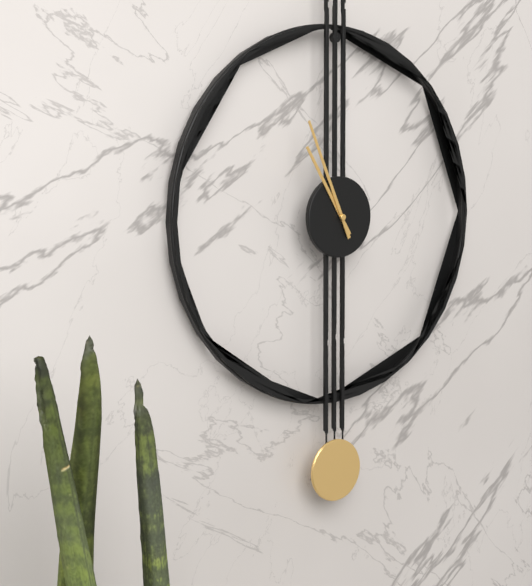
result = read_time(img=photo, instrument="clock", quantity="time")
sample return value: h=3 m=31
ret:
h=10 m=56
